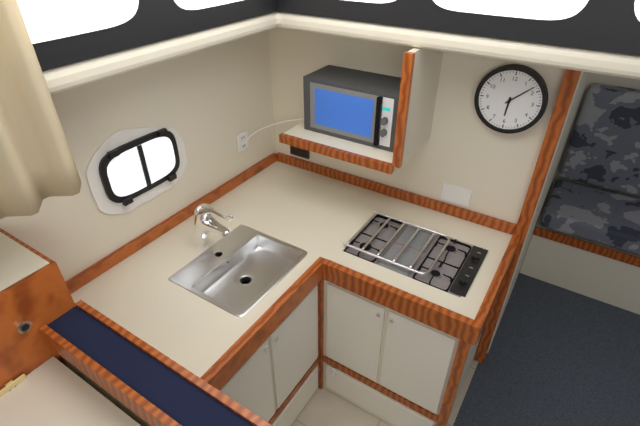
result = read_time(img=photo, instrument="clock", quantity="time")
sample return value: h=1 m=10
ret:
h=6 m=8
